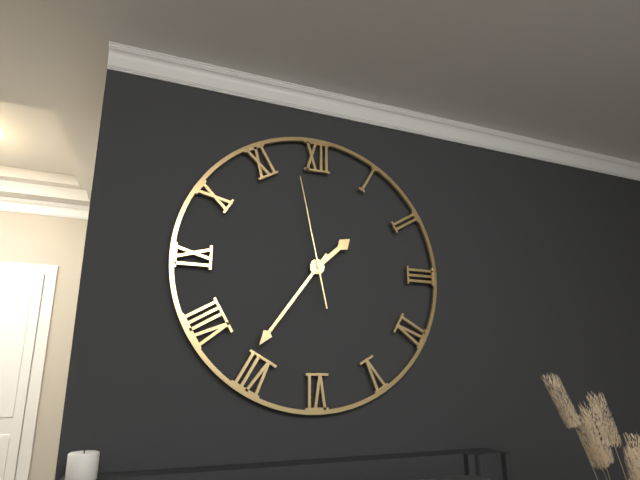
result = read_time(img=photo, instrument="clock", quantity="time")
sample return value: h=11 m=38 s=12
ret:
h=1 m=36 s=58
